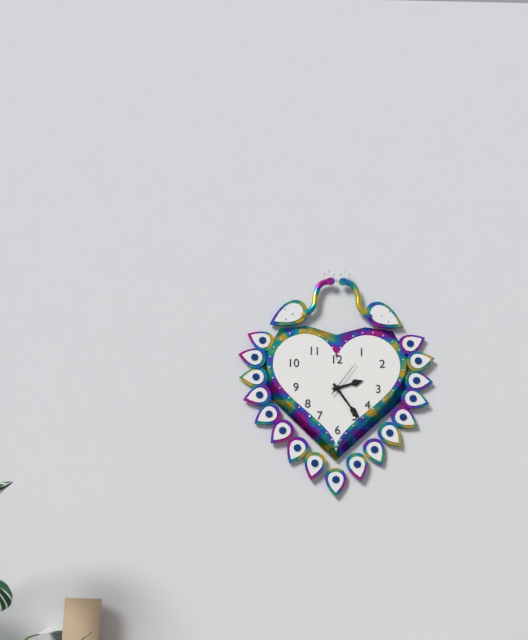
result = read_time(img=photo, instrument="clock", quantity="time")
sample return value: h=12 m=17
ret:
h=2 m=24
